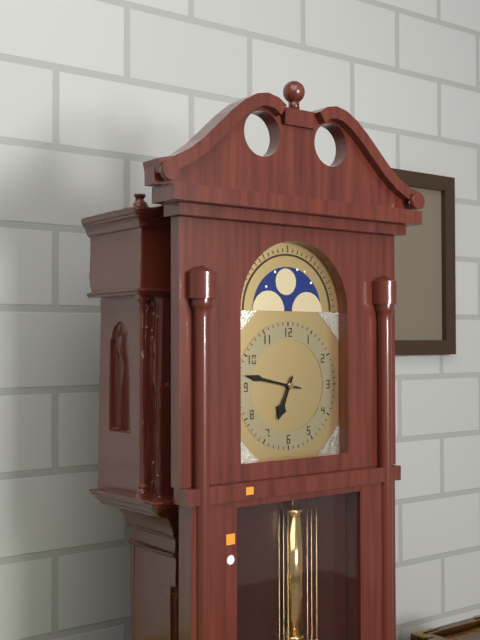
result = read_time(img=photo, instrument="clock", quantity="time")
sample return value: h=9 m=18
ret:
h=6 m=47
